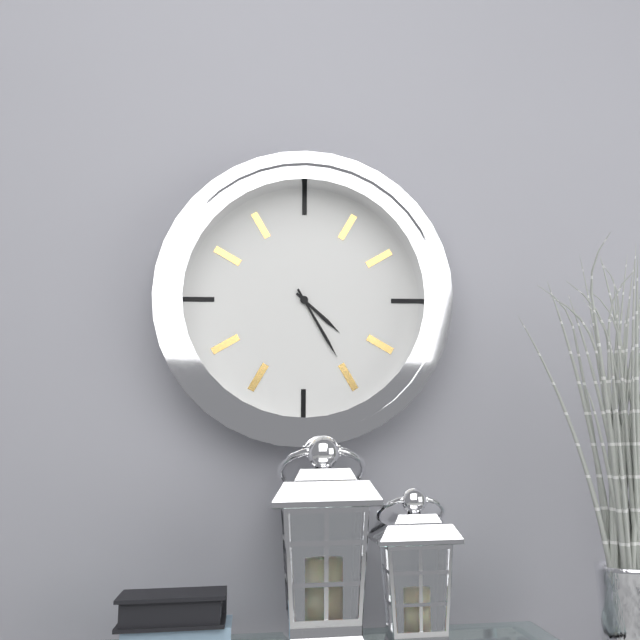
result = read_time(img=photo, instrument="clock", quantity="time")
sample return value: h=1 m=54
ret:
h=4 m=25
